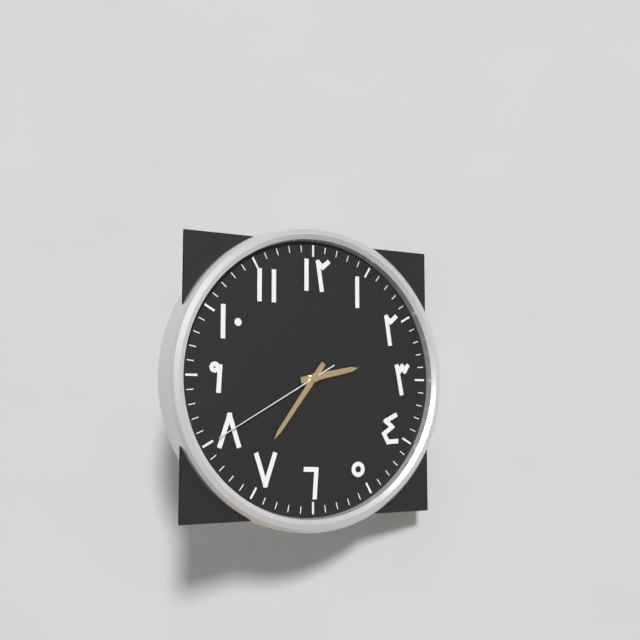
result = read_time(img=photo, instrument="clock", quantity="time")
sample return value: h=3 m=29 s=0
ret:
h=2 m=36 s=40
